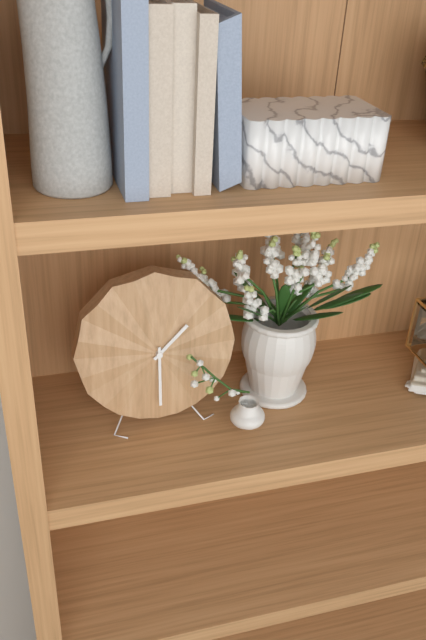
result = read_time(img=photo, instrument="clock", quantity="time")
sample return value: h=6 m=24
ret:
h=1 m=30
